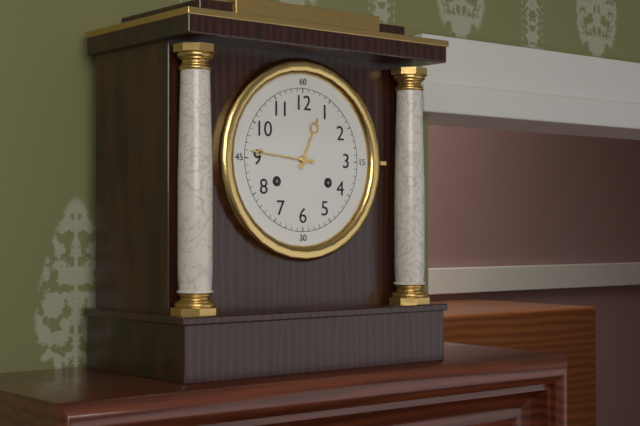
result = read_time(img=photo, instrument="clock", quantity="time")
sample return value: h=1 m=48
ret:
h=12 m=46
